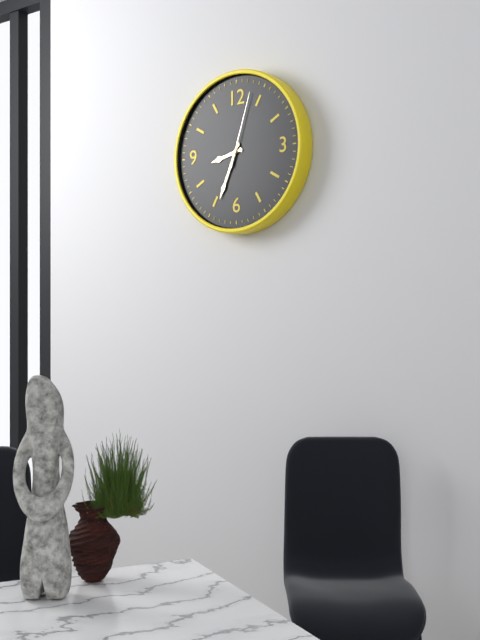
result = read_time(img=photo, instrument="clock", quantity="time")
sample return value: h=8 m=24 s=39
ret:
h=8 m=34 s=3
